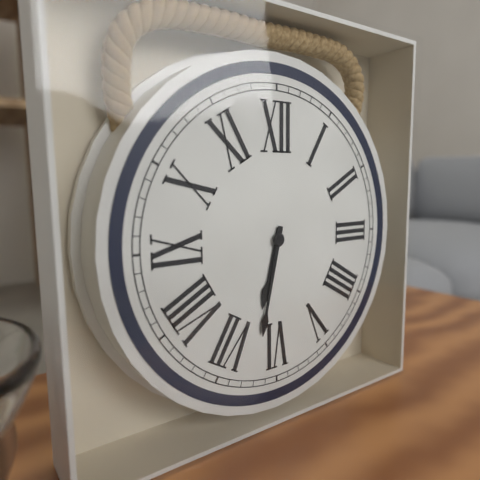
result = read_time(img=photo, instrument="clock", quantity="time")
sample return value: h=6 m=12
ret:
h=6 m=32
